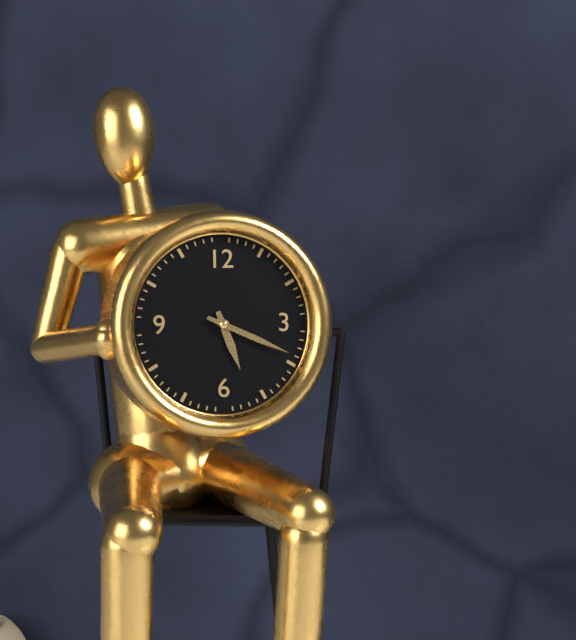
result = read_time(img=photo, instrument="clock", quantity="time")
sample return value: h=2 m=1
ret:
h=5 m=19
